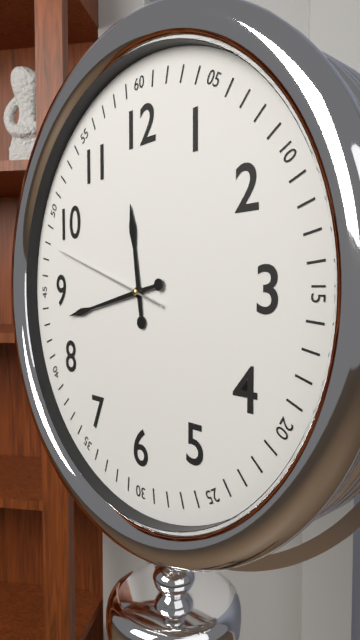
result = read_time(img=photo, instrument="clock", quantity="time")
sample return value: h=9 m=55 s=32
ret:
h=11 m=43 s=48
